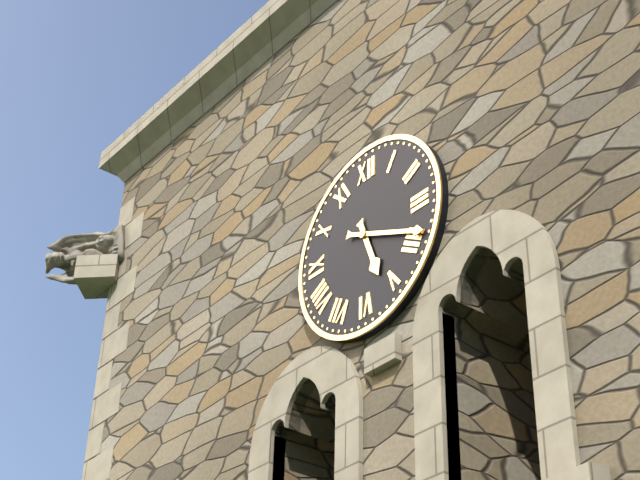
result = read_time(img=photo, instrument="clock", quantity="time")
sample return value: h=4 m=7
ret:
h=5 m=19
